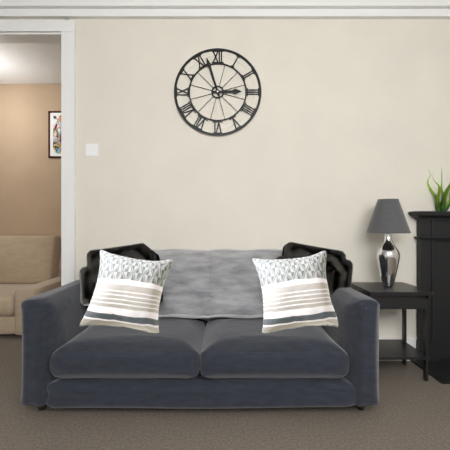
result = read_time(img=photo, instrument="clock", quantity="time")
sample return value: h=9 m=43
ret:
h=2 m=57
